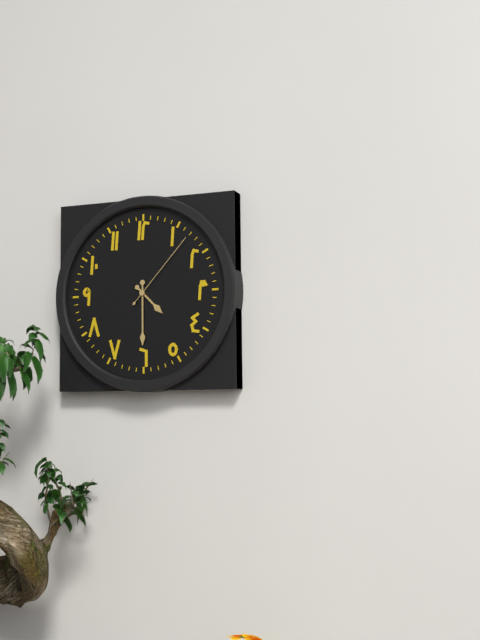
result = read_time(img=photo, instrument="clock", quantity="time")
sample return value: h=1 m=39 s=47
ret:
h=4 m=30 s=7
